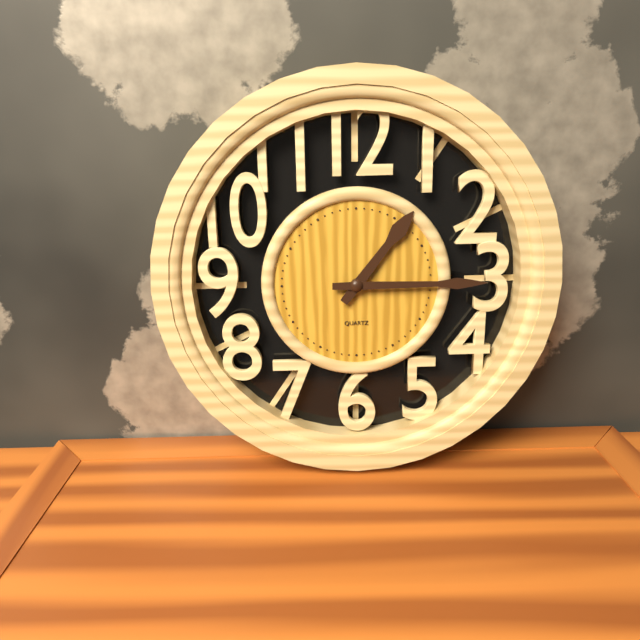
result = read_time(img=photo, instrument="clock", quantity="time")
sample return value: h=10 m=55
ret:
h=1 m=15
